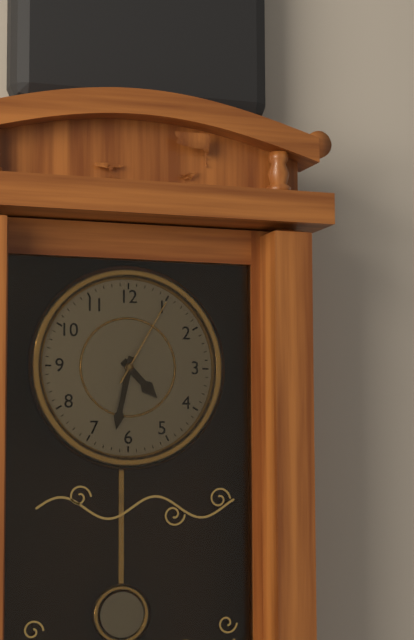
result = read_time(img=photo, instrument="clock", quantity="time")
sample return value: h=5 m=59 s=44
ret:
h=4 m=32 s=5
